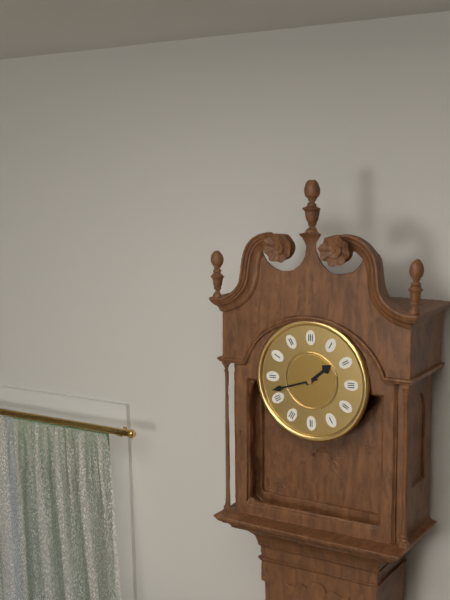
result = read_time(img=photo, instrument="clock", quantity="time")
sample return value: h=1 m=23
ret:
h=1 m=42
